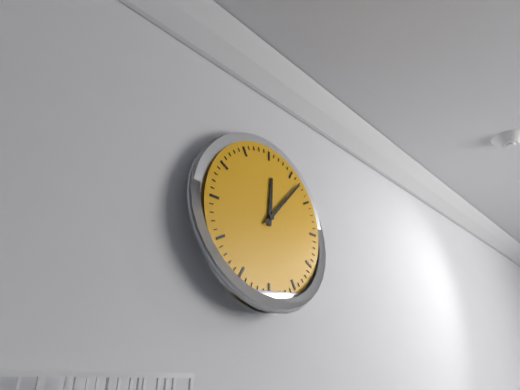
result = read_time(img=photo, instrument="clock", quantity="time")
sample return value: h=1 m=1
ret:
h=12 m=7
